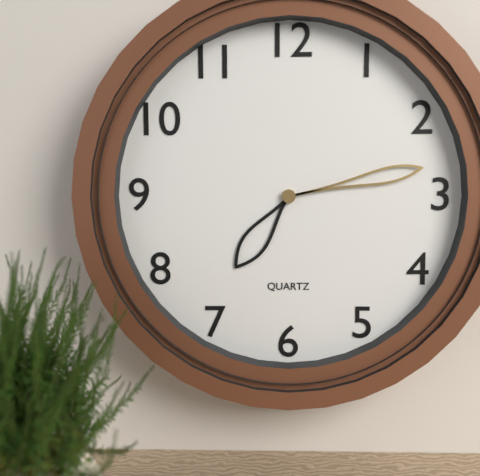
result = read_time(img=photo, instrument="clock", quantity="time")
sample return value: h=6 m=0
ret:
h=7 m=13
